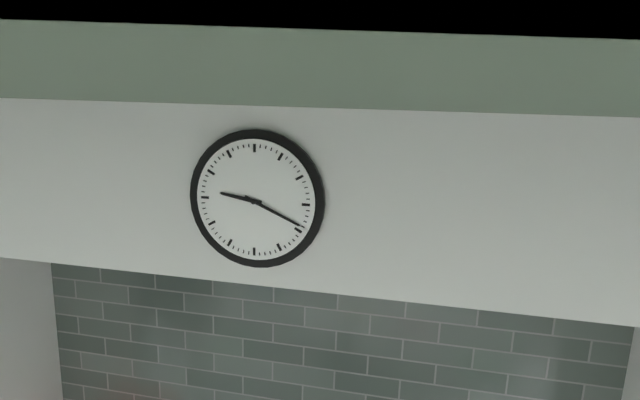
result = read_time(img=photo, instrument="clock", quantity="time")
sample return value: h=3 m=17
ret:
h=9 m=19
